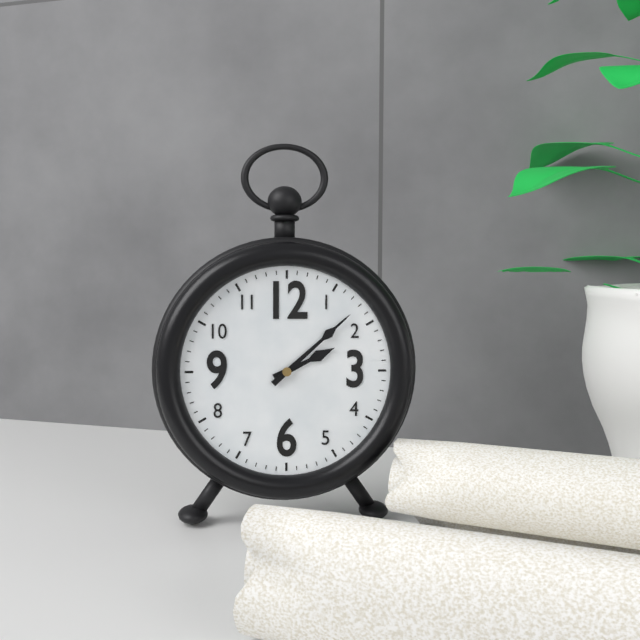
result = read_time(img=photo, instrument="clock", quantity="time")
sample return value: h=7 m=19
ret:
h=2 m=8
